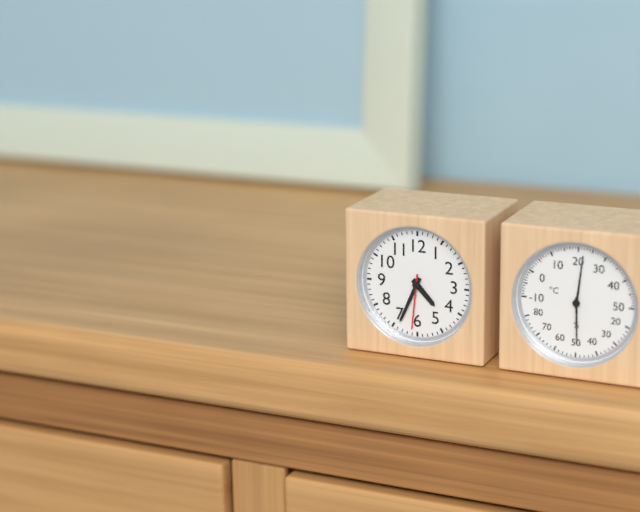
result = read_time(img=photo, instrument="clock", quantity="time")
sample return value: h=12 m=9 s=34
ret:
h=4 m=34 s=31
